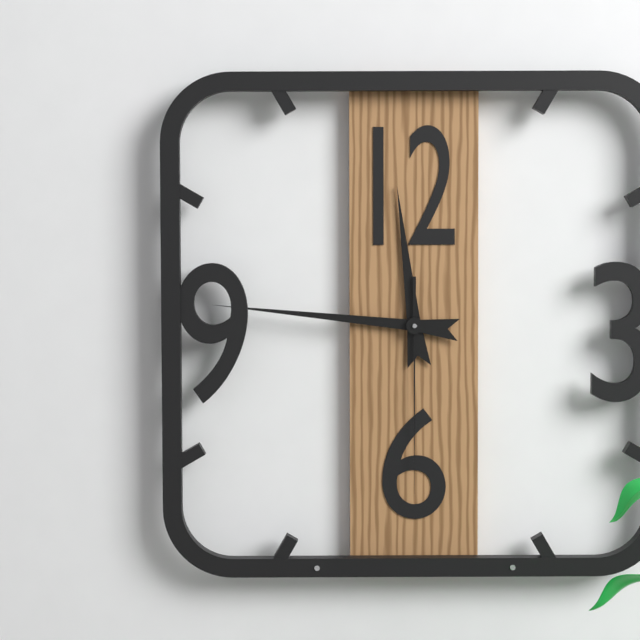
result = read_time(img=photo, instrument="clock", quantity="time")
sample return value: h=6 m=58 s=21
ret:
h=11 m=46 s=30
